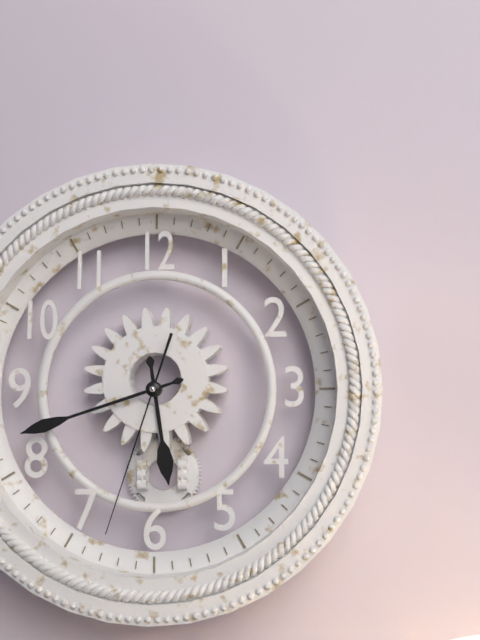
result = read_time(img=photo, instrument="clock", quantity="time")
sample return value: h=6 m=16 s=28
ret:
h=5 m=42 s=33
